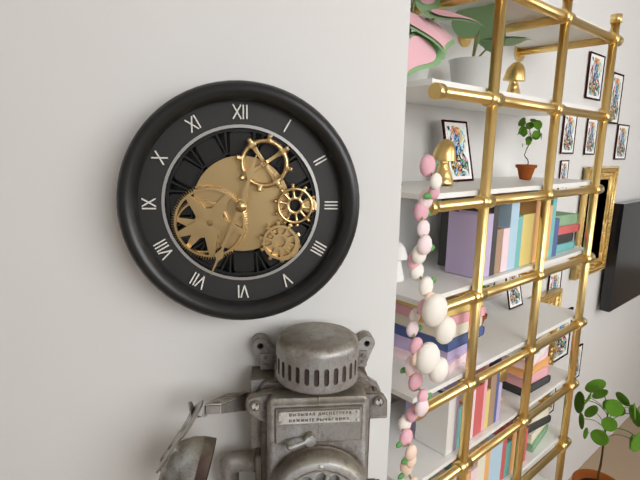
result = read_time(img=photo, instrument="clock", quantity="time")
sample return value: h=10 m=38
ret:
h=12 m=34
